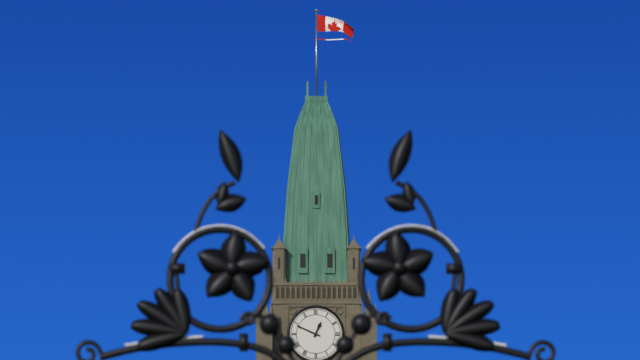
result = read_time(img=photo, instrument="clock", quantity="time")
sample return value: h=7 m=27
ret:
h=12 m=49
